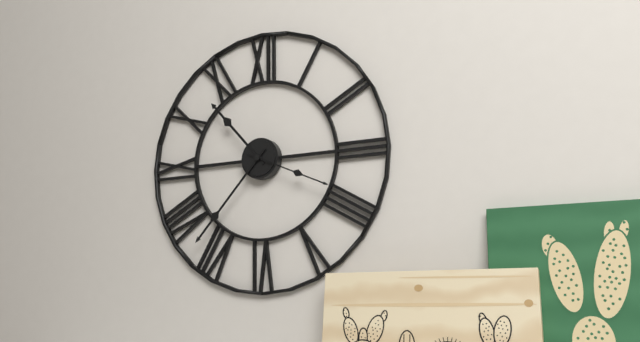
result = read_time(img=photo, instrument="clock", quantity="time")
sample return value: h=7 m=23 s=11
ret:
h=10 m=37 s=19
